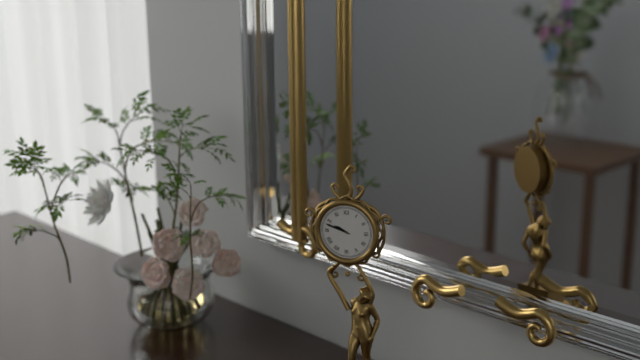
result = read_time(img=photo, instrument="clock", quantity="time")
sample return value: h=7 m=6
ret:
h=9 m=48
